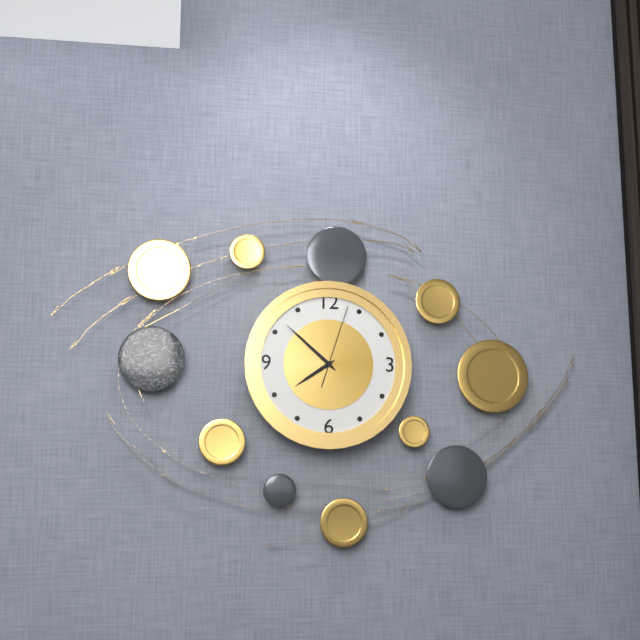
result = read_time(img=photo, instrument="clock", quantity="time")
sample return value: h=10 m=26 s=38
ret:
h=7 m=52 s=3
